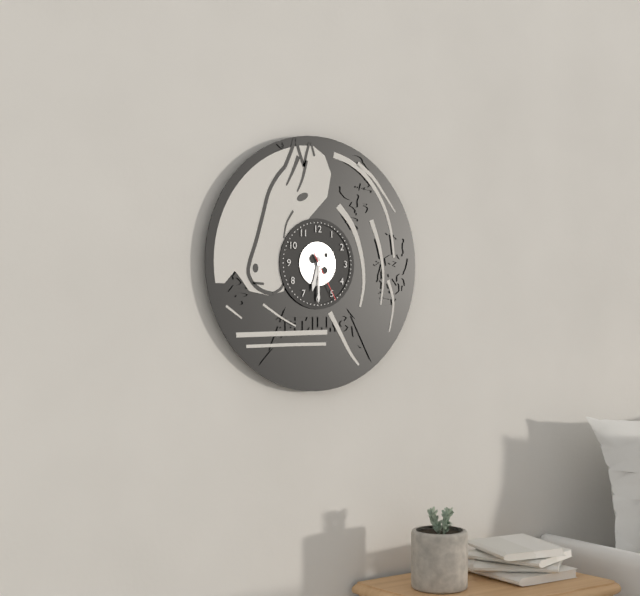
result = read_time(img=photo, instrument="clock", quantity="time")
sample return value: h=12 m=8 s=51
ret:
h=6 m=30 s=25
